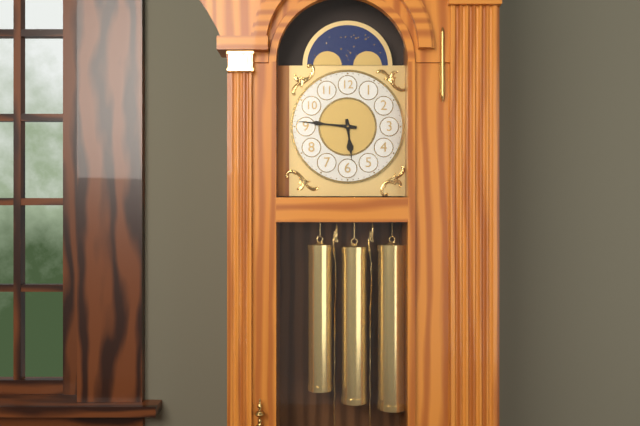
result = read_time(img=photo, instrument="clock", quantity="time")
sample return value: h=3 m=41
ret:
h=5 m=46
